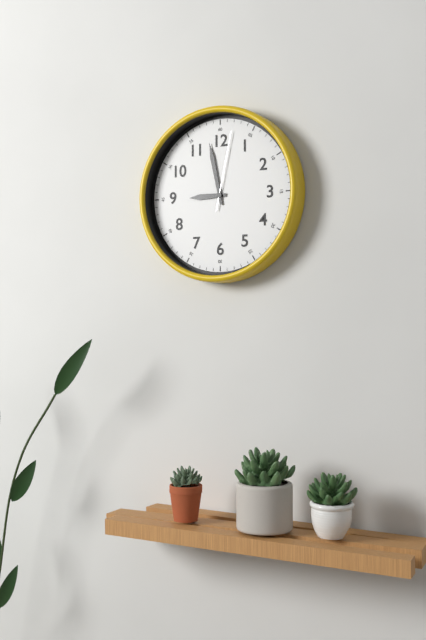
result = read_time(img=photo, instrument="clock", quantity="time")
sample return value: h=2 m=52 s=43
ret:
h=8 m=58 s=2
